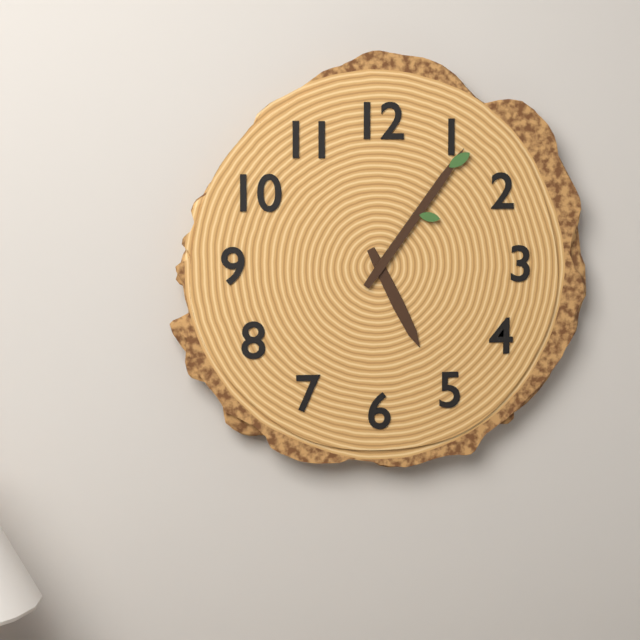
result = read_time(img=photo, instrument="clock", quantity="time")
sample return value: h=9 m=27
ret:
h=5 m=6
